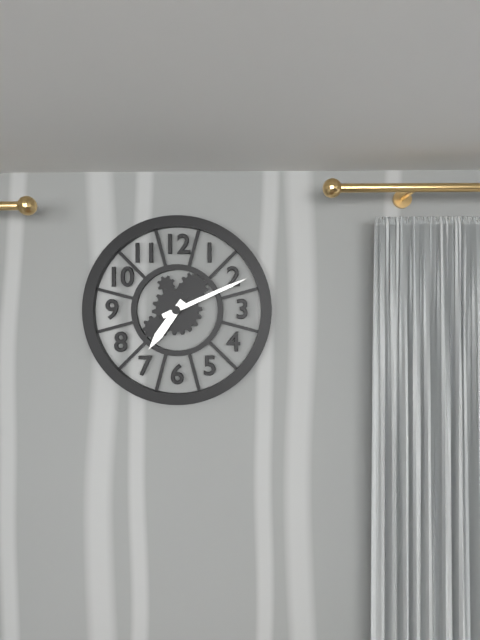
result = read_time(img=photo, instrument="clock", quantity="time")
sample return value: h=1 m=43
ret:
h=7 m=11
